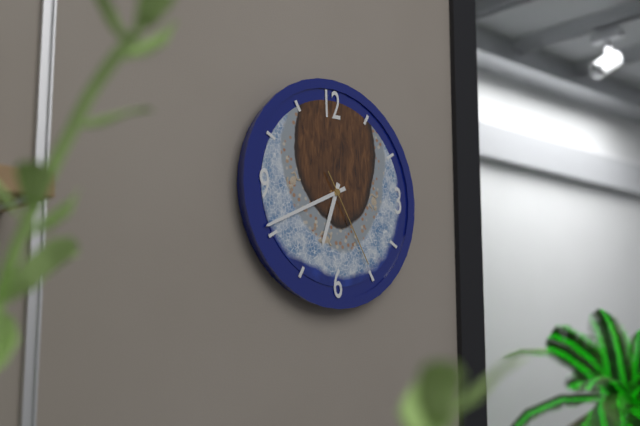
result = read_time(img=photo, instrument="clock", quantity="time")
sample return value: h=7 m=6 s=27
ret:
h=6 m=41 s=25
